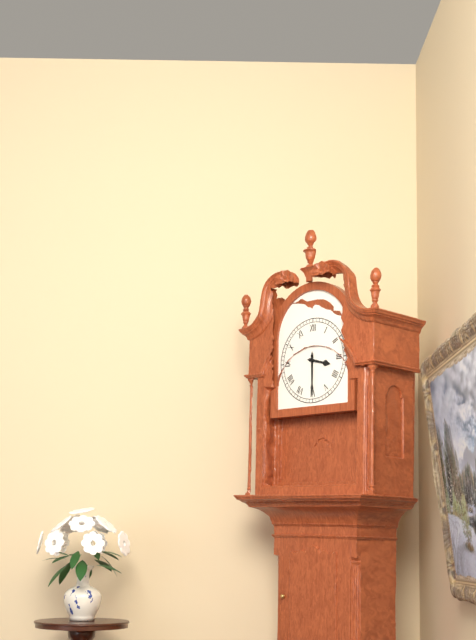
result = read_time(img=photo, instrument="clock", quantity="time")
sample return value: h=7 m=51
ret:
h=3 m=30
